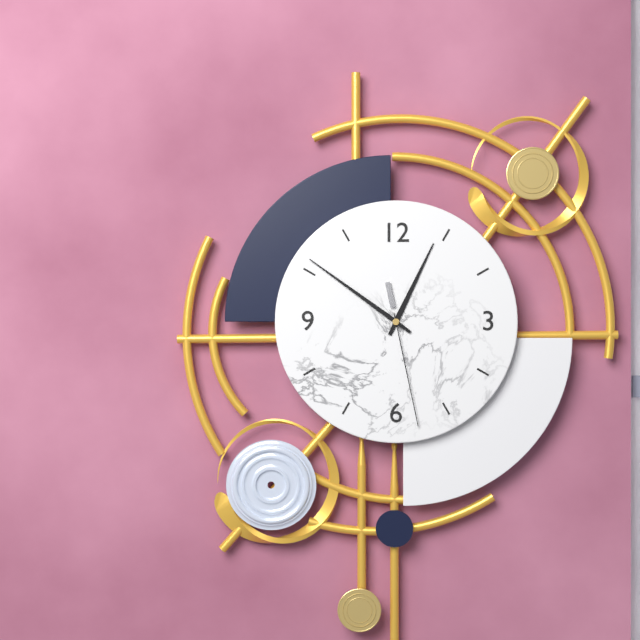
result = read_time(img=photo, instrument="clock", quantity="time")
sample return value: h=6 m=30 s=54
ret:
h=12 m=51 s=28
